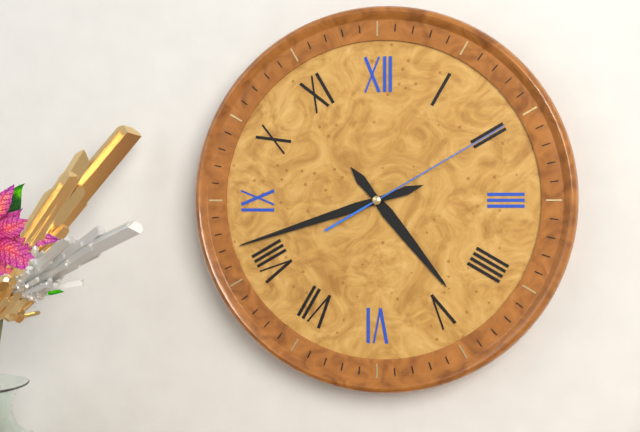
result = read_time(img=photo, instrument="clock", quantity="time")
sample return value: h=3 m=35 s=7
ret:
h=4 m=42 s=10
